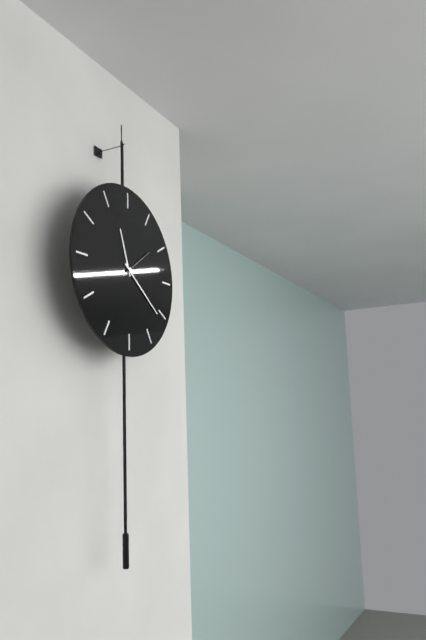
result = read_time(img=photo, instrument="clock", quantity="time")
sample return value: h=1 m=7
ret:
h=11 m=21
